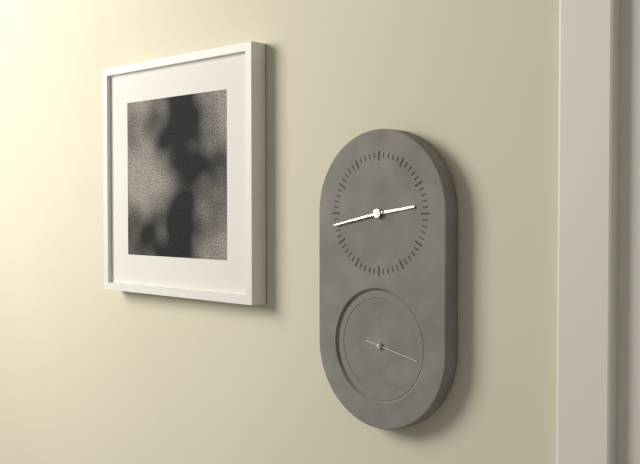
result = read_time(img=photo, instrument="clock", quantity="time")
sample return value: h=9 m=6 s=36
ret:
h=2 m=43 s=17
